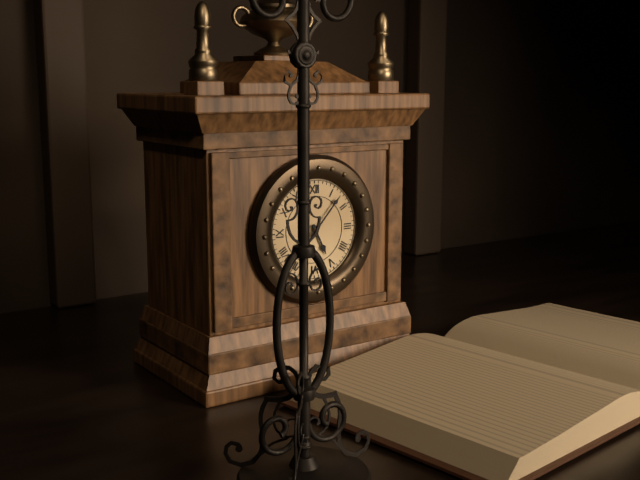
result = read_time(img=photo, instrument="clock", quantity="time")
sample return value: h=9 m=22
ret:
h=5 m=7
